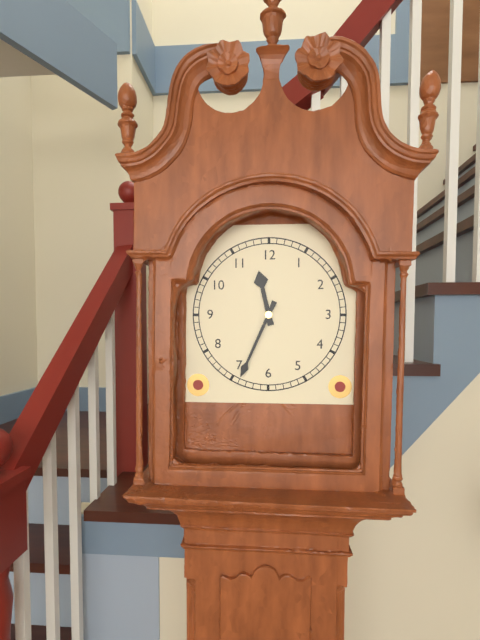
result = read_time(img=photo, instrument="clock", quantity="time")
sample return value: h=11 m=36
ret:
h=11 m=34
